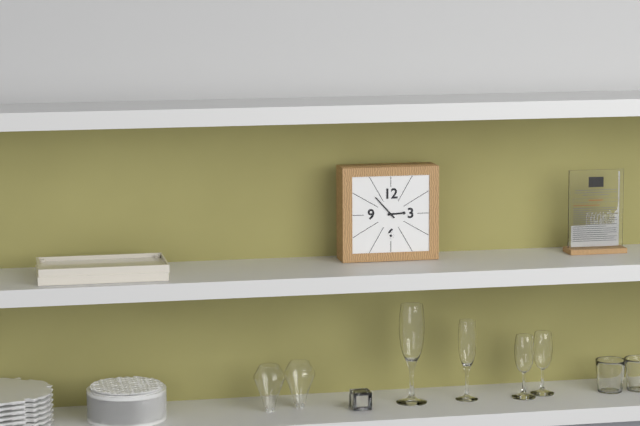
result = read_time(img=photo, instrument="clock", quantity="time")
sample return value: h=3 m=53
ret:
h=2 m=53
